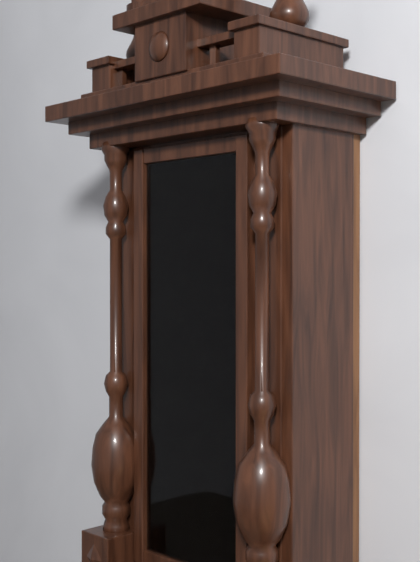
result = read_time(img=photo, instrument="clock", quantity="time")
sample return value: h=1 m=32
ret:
h=12 m=34
